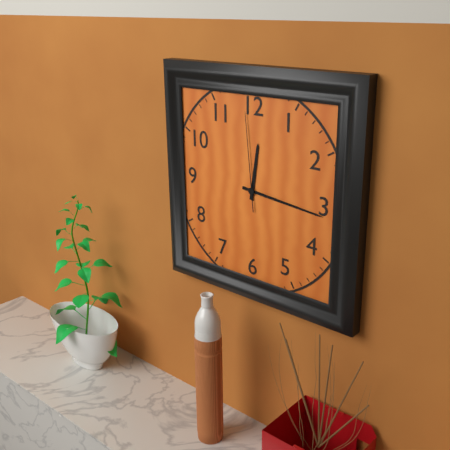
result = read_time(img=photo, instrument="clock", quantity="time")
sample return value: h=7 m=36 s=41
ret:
h=12 m=16 s=59
